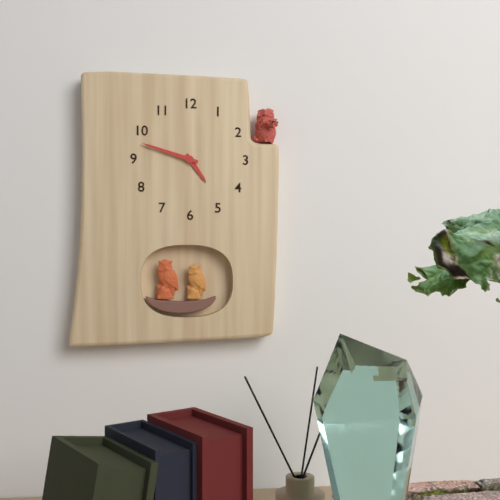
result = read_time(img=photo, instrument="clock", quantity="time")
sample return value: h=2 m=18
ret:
h=4 m=48
